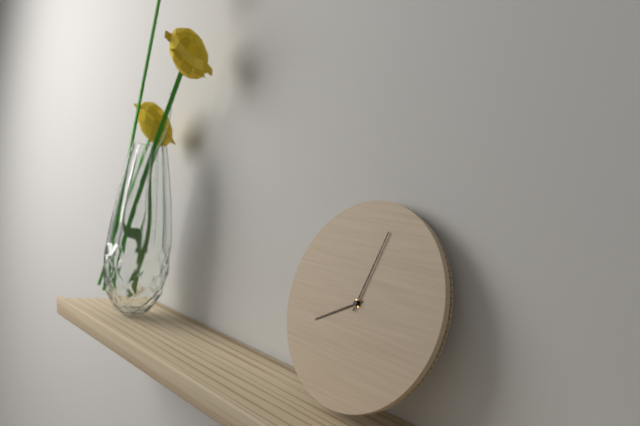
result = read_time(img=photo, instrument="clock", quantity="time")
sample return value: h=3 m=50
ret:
h=8 m=2
